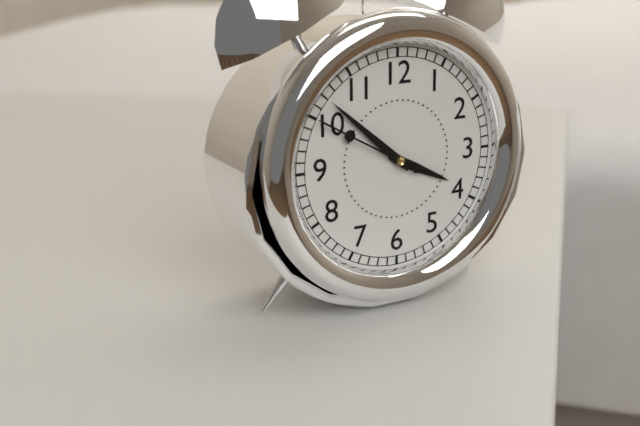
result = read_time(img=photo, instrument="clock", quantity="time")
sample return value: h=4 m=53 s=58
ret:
h=3 m=52 s=50
